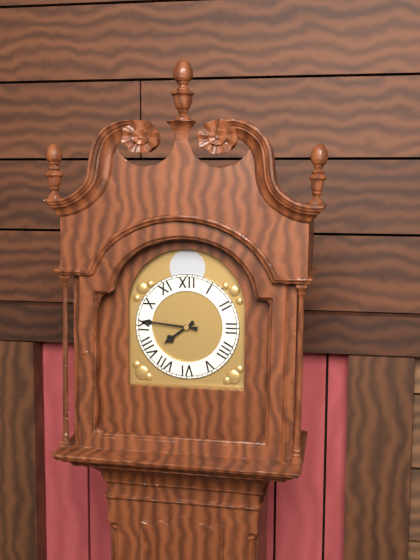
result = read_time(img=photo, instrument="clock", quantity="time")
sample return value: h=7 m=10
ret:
h=7 m=46
